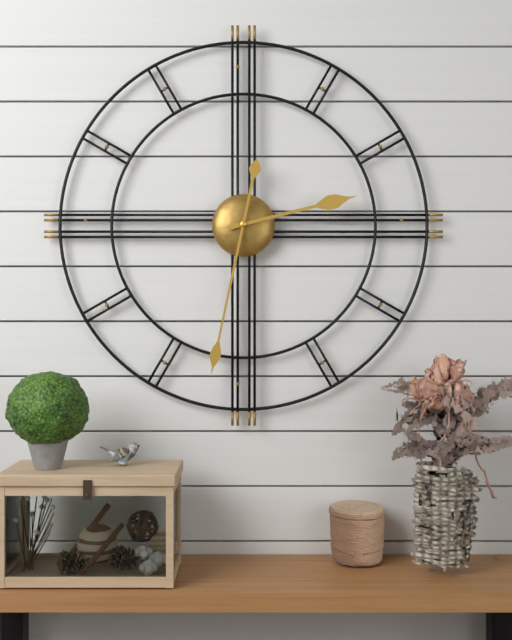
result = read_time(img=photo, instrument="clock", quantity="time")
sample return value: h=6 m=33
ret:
h=2 m=32
